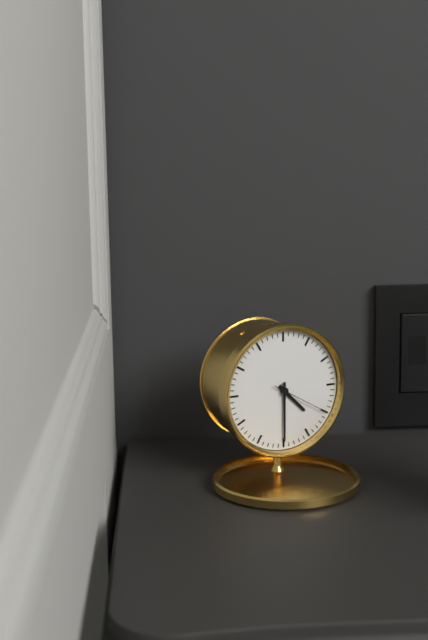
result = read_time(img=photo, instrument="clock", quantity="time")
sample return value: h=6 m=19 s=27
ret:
h=4 m=30 s=20
